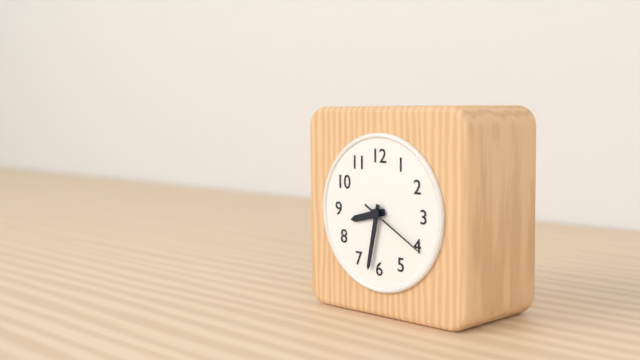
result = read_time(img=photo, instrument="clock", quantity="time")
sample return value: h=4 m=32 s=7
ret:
h=8 m=32 s=20
